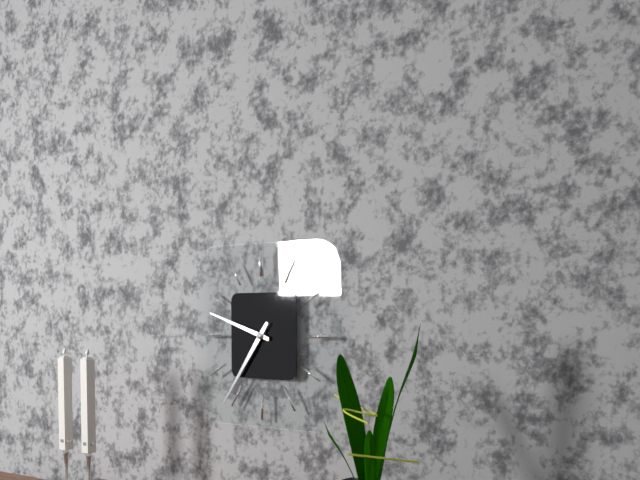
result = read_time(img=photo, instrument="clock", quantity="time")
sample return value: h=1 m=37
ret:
h=9 m=36
